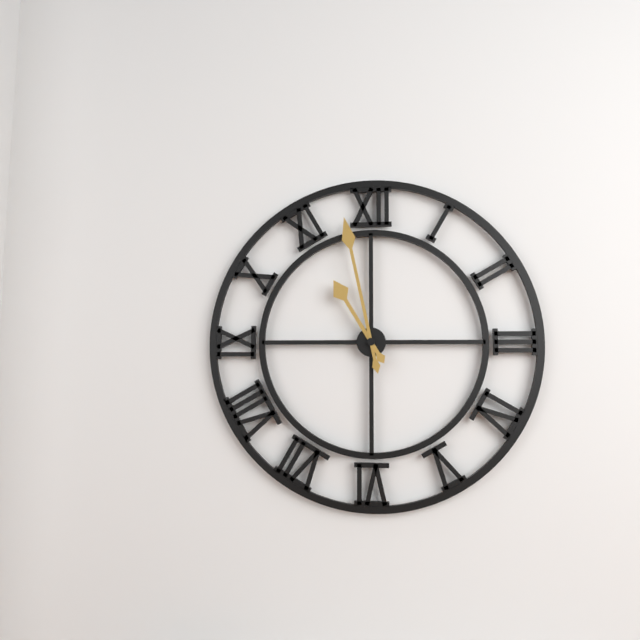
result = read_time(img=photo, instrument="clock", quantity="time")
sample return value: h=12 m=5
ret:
h=10 m=58
